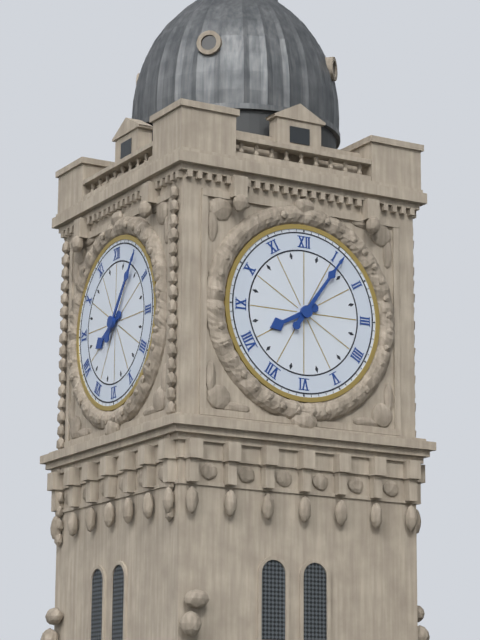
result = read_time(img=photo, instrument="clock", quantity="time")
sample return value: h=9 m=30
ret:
h=8 m=6
